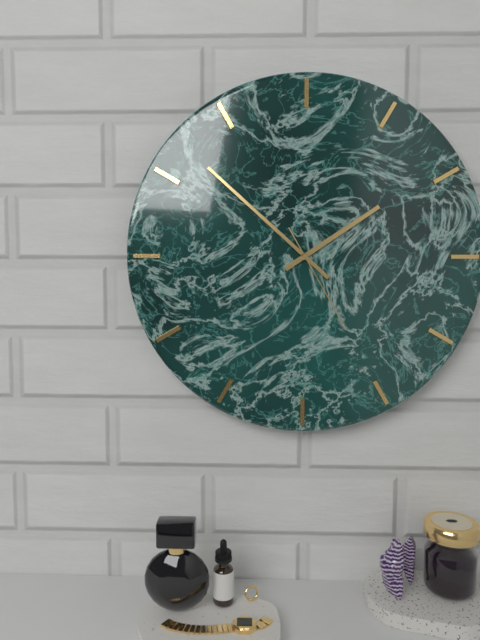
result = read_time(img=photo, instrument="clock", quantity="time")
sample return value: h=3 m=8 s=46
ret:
h=1 m=52 s=25
